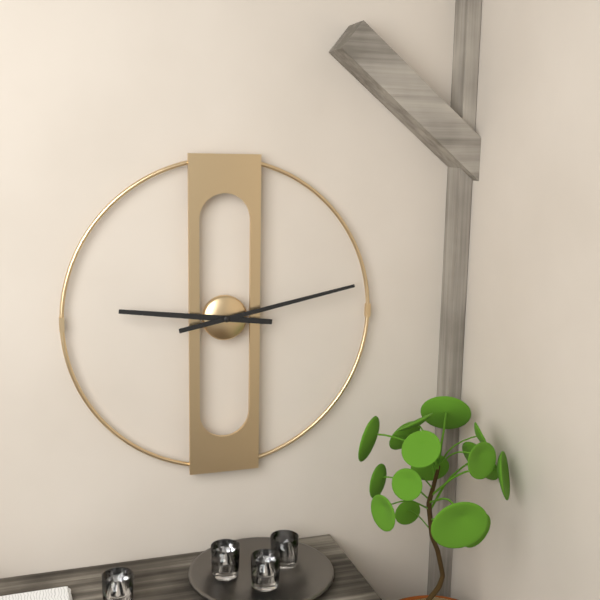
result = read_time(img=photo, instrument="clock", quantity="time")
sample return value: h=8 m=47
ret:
h=9 m=13
